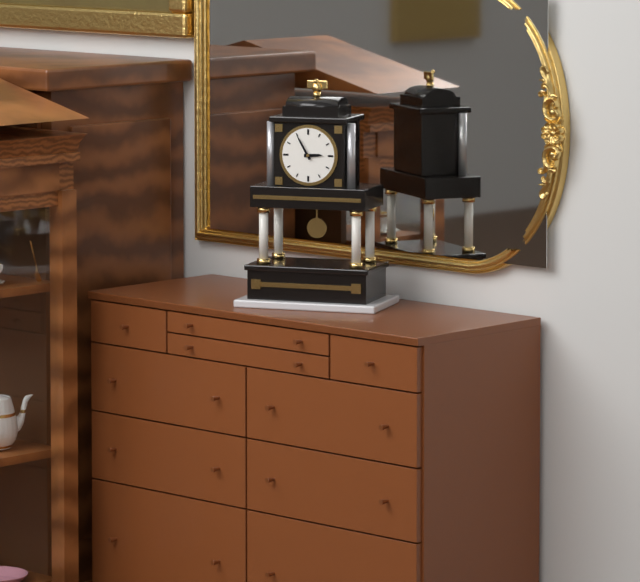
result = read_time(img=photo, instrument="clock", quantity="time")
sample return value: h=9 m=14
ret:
h=2 m=55
